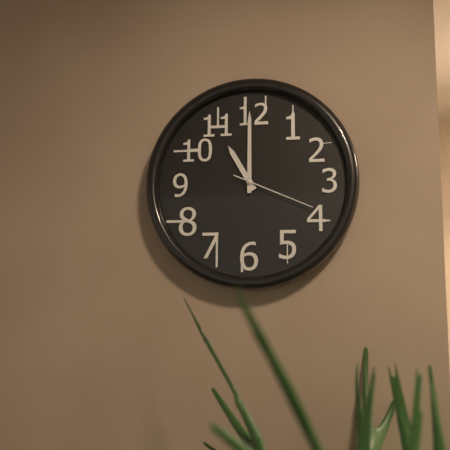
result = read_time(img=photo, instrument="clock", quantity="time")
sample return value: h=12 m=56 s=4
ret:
h=11 m=0 s=19
